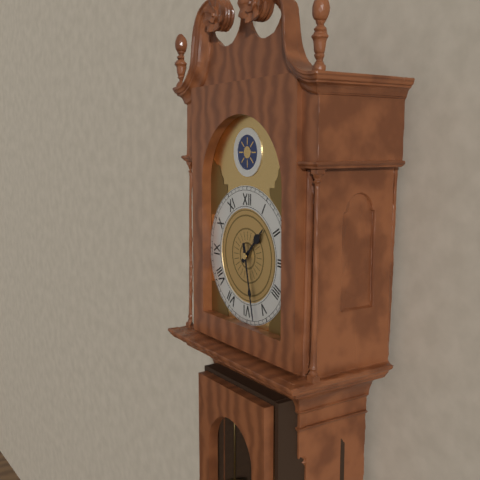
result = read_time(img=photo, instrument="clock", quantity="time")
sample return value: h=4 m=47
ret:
h=1 m=28
